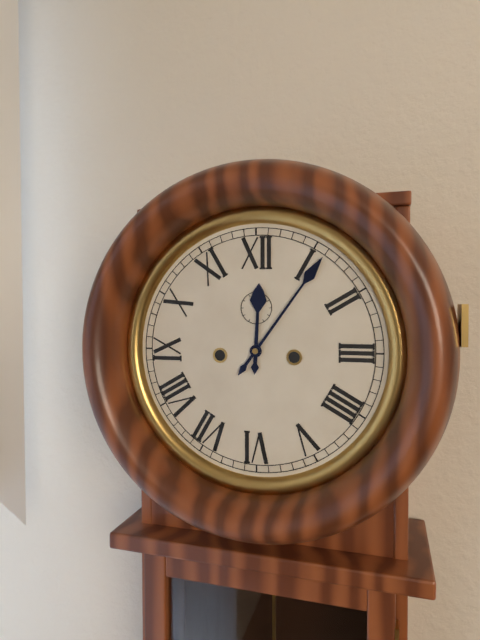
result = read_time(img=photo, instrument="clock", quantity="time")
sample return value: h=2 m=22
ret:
h=12 m=6
